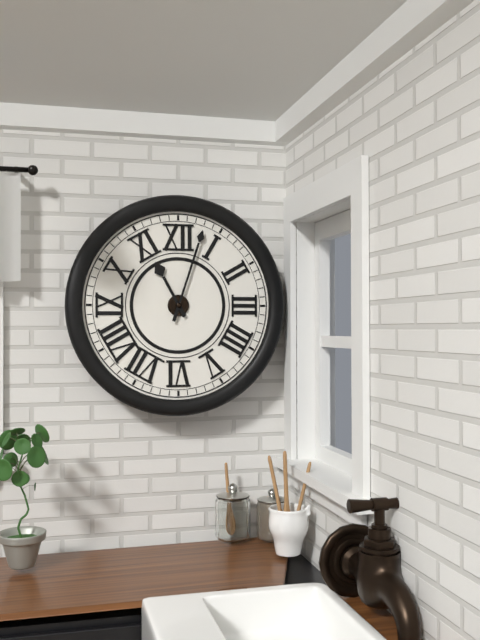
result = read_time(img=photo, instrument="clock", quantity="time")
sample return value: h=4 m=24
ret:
h=11 m=3
